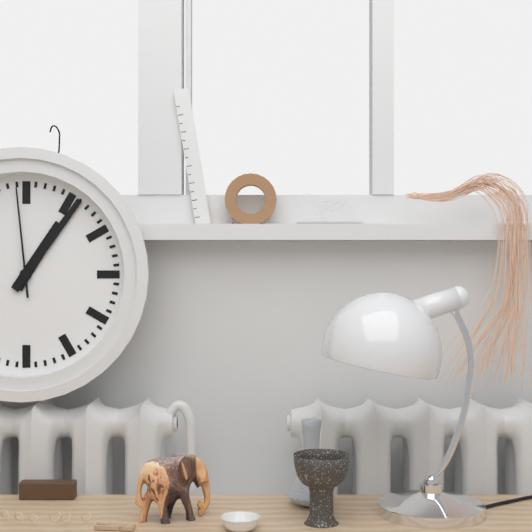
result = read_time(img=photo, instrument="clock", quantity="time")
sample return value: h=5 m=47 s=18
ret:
h=1 m=6 s=59
